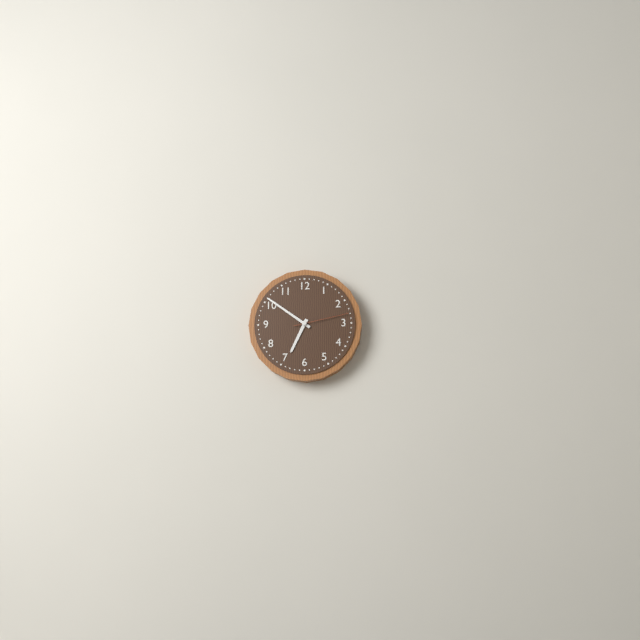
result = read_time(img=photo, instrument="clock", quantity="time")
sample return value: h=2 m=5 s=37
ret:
h=6 m=51 s=13
